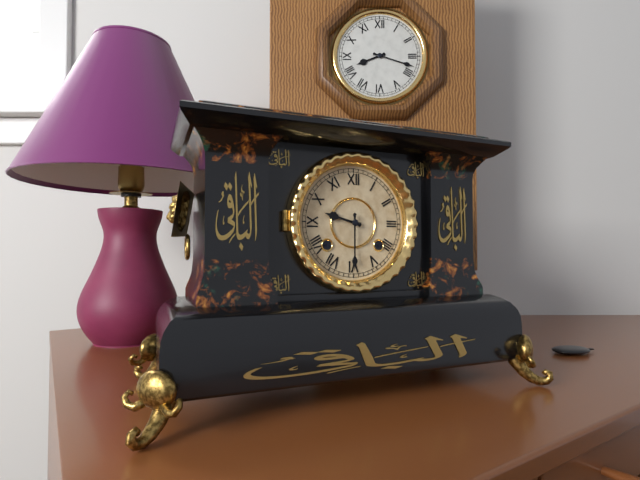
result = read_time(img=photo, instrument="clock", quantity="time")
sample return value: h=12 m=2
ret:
h=9 m=30
